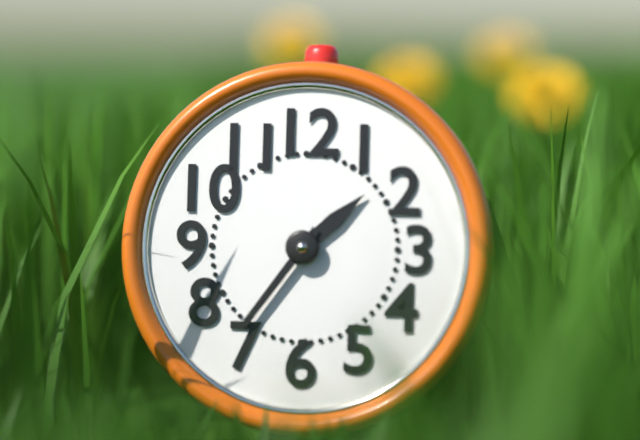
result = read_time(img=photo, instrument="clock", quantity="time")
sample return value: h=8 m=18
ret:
h=1 m=36
